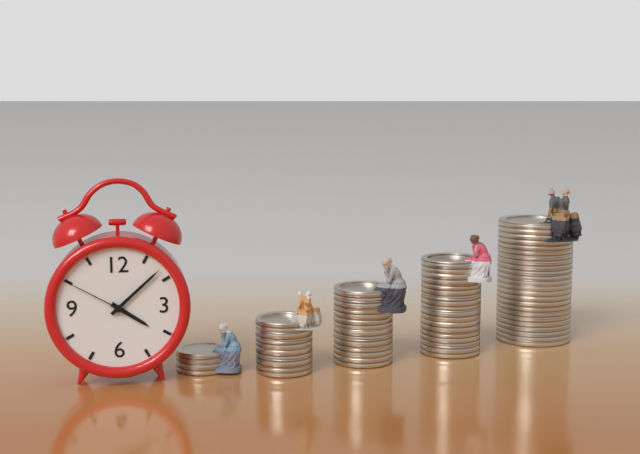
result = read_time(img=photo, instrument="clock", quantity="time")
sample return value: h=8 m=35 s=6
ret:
h=4 m=8 s=50
